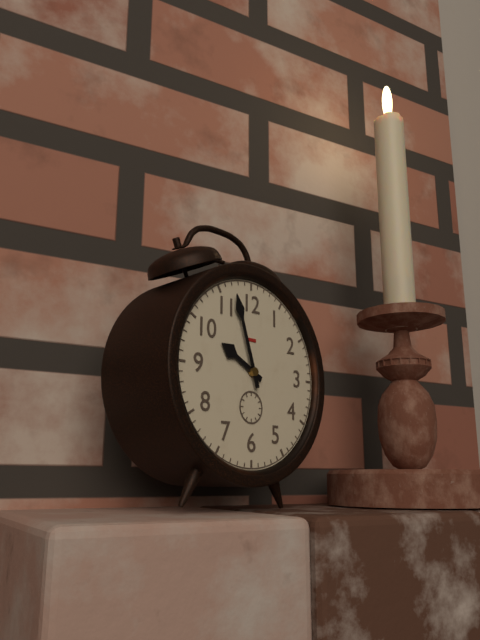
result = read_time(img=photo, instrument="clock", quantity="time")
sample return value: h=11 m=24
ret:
h=9 m=57
